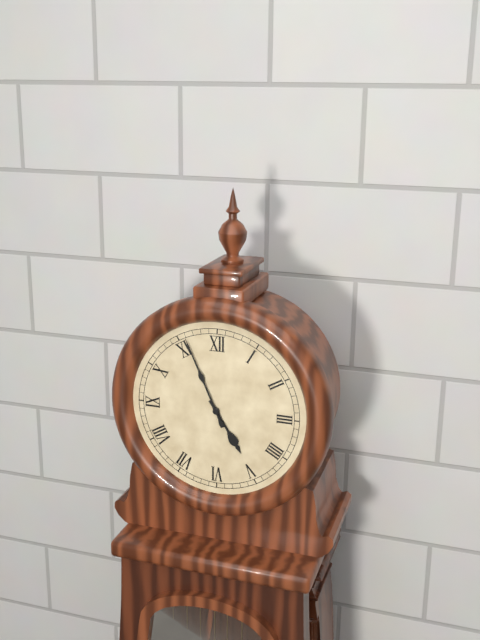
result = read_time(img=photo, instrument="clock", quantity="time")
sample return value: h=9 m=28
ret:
h=4 m=56
